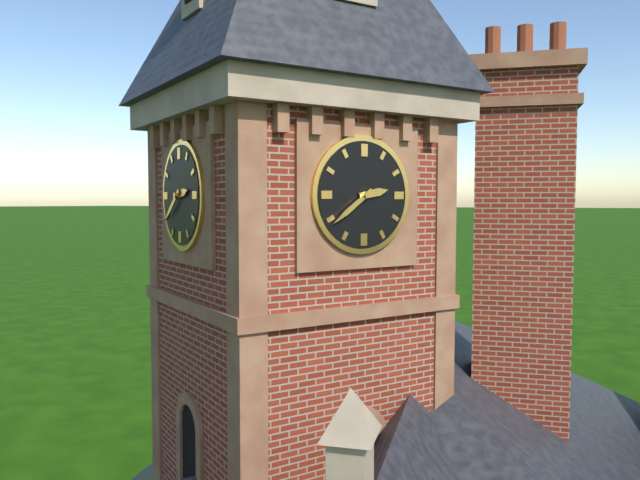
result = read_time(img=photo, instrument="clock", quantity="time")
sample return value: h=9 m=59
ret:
h=2 m=39
